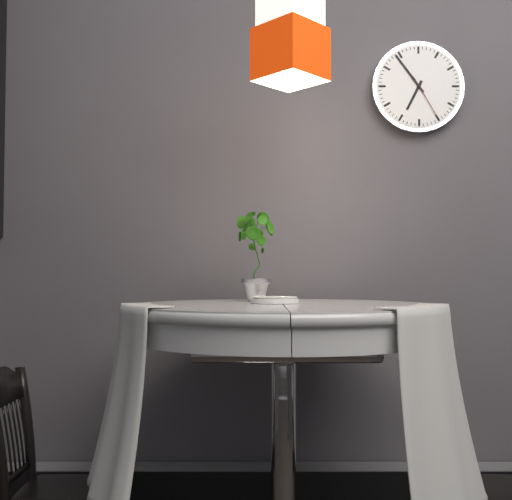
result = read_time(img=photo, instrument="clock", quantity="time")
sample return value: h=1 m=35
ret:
h=6 m=54
